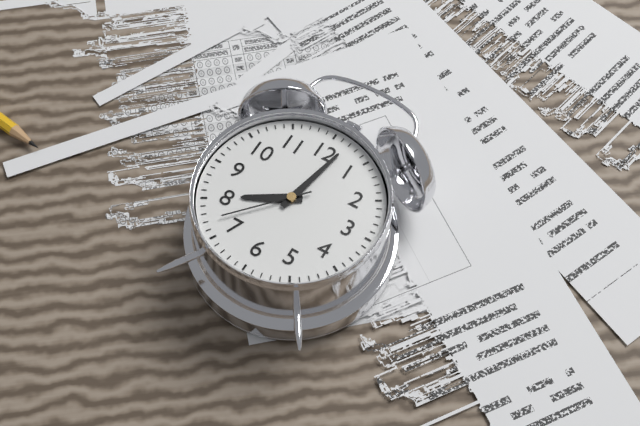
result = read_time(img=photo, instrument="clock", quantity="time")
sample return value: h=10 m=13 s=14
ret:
h=8 m=2 s=37
